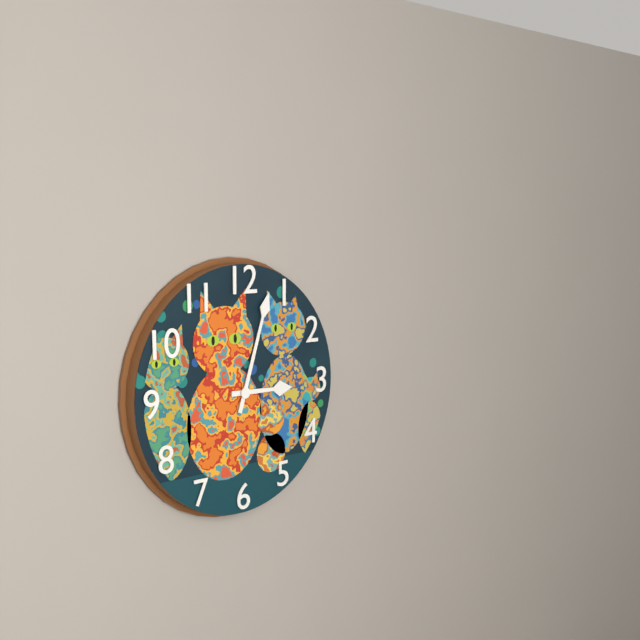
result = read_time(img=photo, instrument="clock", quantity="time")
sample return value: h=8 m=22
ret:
h=3 m=3
